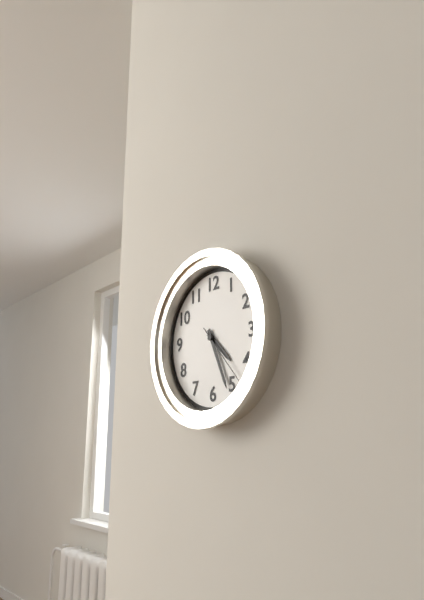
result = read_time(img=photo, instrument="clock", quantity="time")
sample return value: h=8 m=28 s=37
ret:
h=4 m=26 s=23
